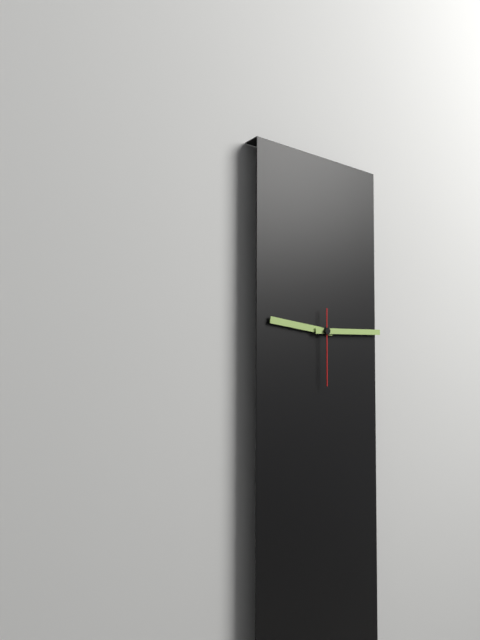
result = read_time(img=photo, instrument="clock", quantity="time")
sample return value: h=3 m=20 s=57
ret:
h=9 m=15 s=30
